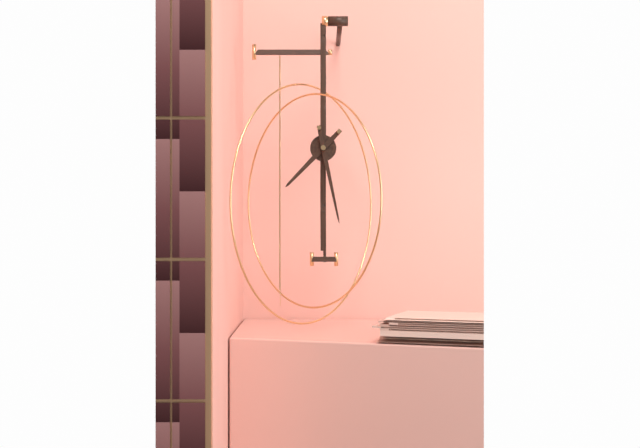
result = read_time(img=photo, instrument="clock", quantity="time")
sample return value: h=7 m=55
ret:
h=7 m=28
